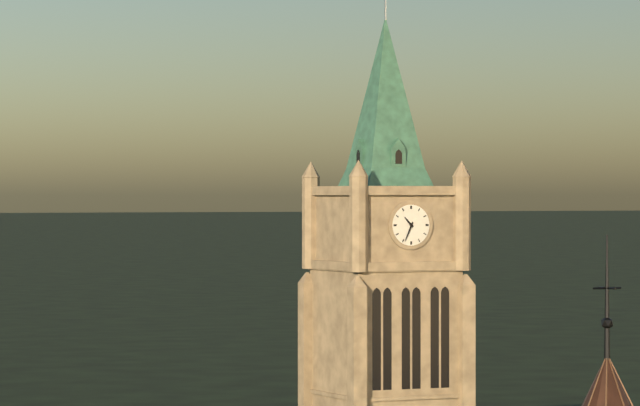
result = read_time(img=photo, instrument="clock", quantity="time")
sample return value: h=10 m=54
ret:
h=10 m=34
